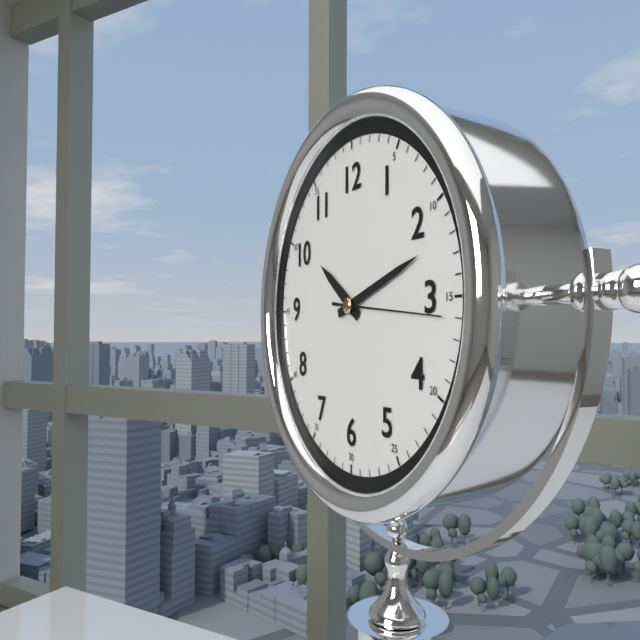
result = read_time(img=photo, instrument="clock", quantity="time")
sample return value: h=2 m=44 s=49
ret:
h=10 m=12 s=16
